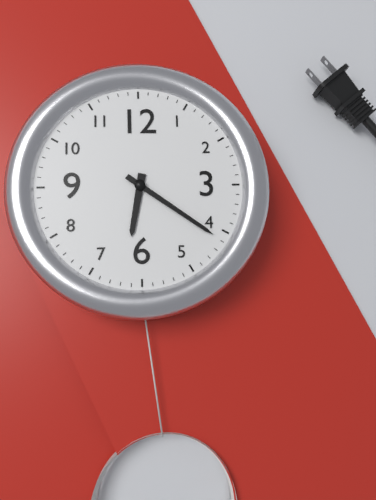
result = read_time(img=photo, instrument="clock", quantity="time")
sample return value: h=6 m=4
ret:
h=6 m=21
